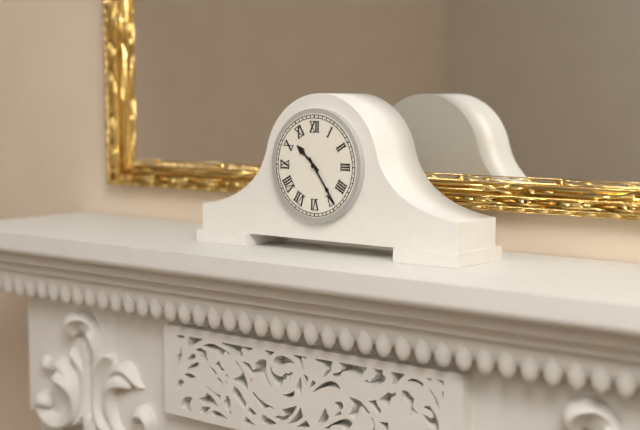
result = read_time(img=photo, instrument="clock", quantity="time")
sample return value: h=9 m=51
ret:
h=10 m=24
